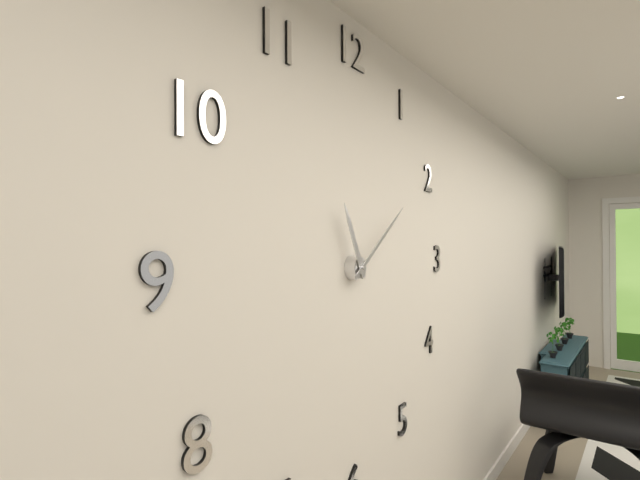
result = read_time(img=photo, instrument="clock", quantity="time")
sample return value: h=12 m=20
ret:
h=11 m=9
